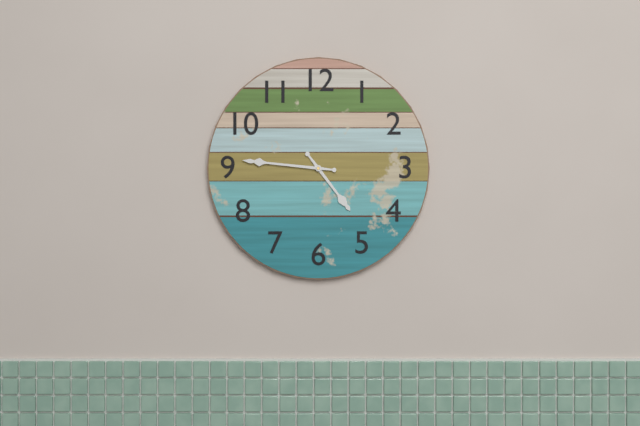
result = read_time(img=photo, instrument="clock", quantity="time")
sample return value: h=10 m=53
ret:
h=4 m=46
